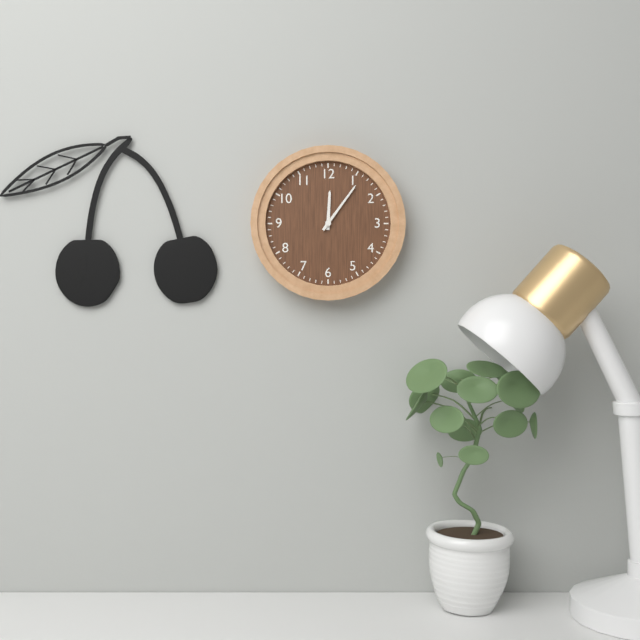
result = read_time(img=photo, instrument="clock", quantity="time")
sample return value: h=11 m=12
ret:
h=12 m=6
